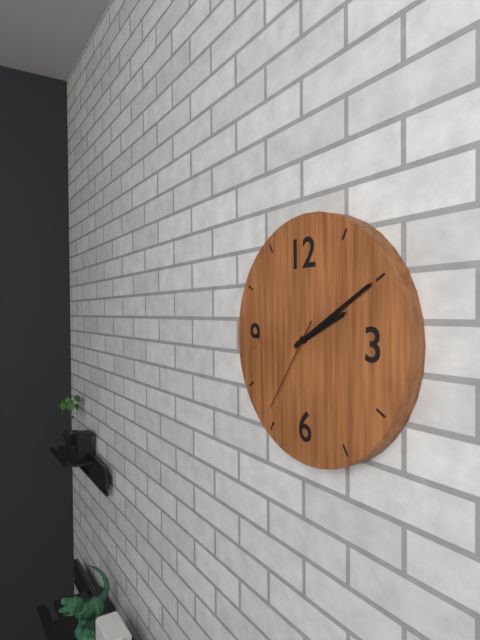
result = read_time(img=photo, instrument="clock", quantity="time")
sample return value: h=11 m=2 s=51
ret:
h=2 m=10 s=36
